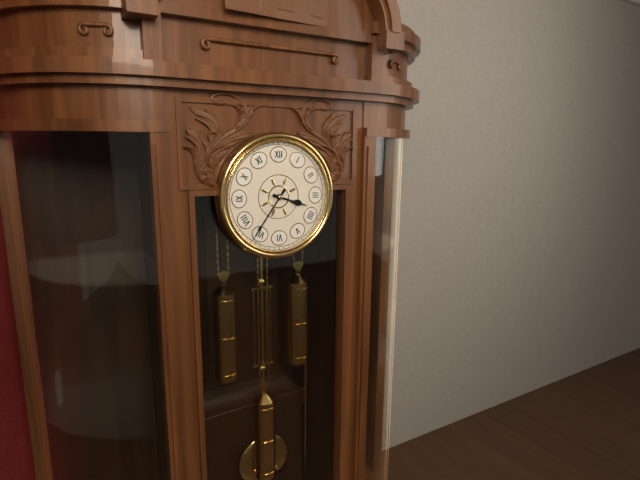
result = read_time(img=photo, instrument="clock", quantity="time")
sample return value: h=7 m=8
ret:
h=3 m=36
